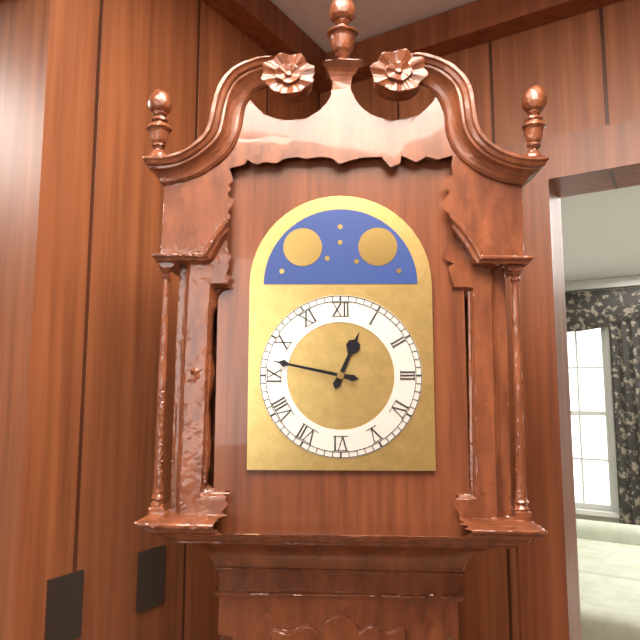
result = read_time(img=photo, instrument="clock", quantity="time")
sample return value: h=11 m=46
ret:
h=12 m=47
